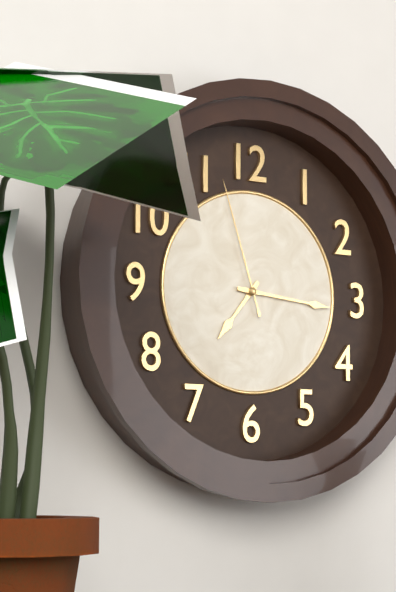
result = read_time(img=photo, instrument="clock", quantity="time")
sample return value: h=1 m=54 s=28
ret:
h=7 m=16 s=57
